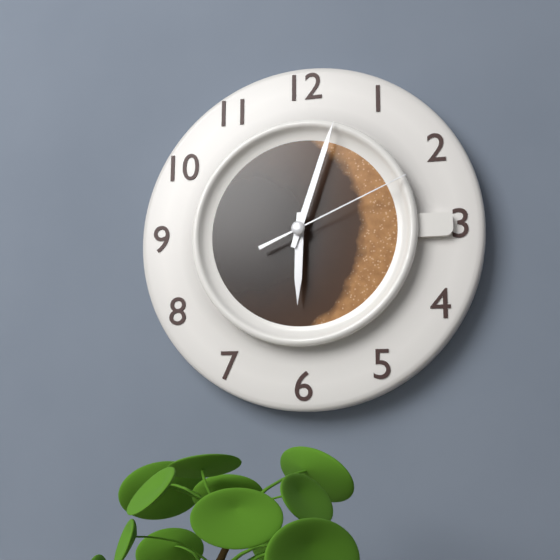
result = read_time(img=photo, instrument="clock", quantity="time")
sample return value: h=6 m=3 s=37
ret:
h=6 m=3 s=11
